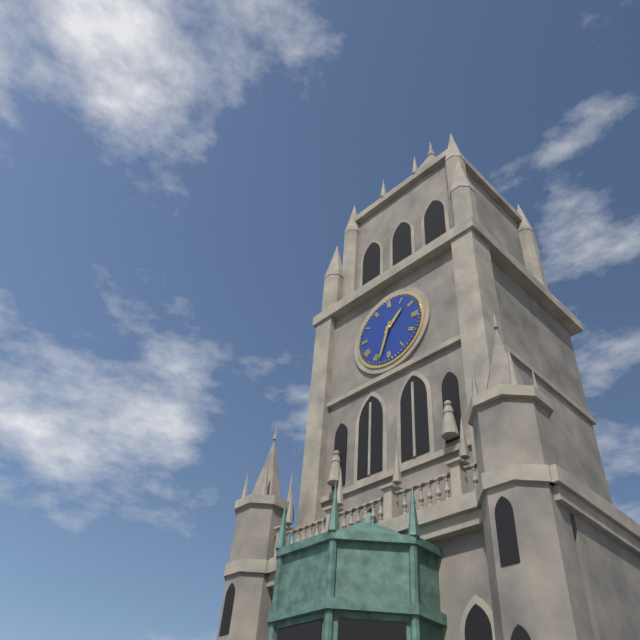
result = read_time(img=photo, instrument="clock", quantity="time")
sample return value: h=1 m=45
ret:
h=1 m=33
